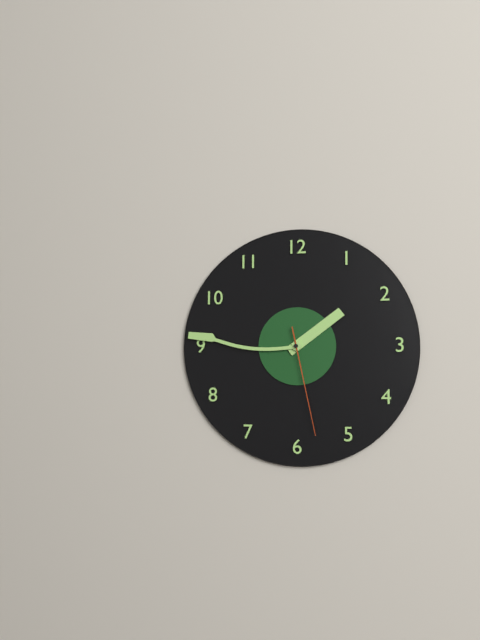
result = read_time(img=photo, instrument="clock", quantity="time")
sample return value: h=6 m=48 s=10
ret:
h=1 m=46 s=28
